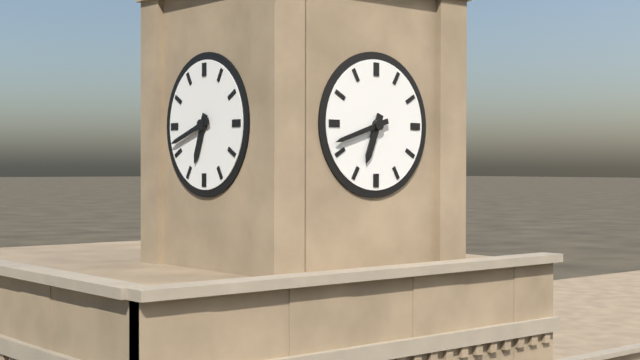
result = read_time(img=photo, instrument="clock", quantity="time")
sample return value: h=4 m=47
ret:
h=6 m=42
